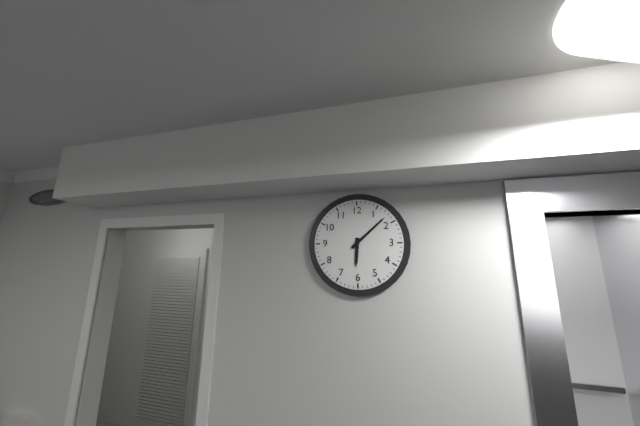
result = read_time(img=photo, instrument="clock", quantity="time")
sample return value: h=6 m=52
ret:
h=6 m=8
